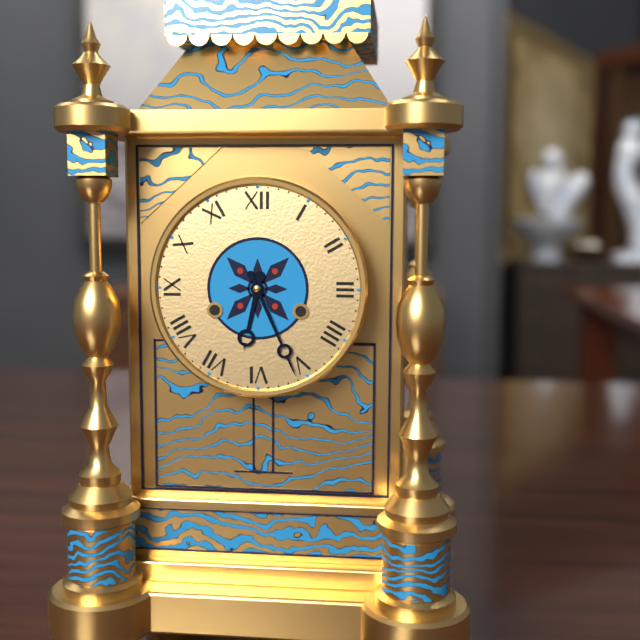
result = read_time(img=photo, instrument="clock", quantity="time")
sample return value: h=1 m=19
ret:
h=6 m=26
